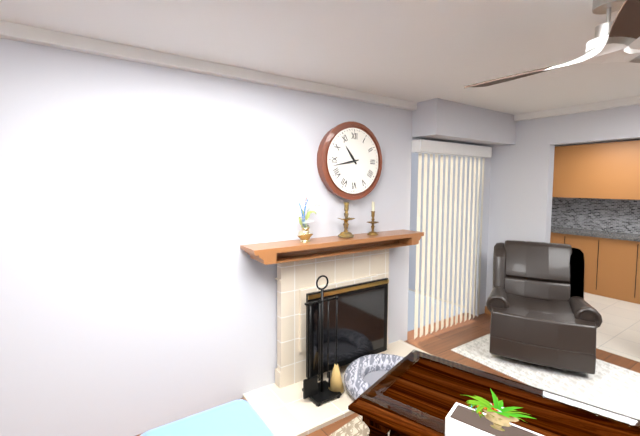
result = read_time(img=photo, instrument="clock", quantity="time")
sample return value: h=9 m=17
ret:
h=10 m=43
